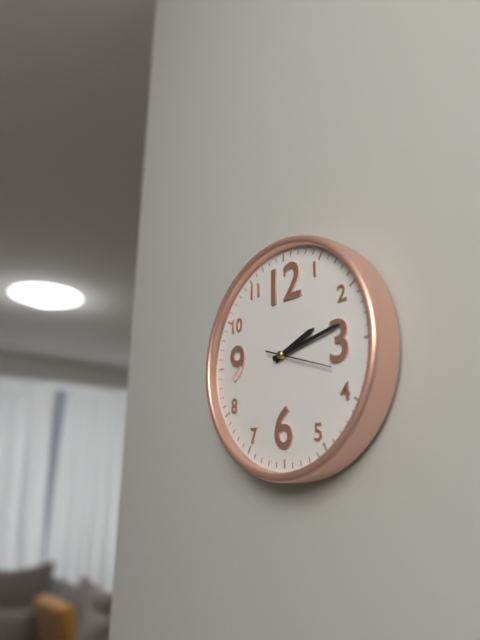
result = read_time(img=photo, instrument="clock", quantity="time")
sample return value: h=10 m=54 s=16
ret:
h=2 m=13 s=18
